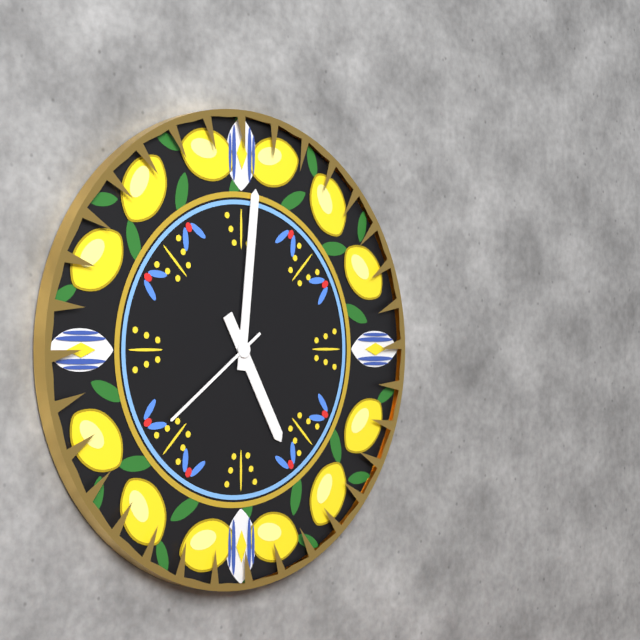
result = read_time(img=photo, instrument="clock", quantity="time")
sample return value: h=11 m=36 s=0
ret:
h=5 m=1 s=39
